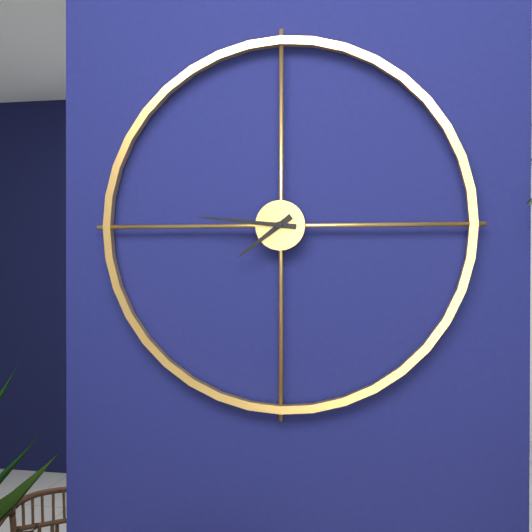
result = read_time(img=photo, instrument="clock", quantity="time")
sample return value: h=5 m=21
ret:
h=7 m=46
